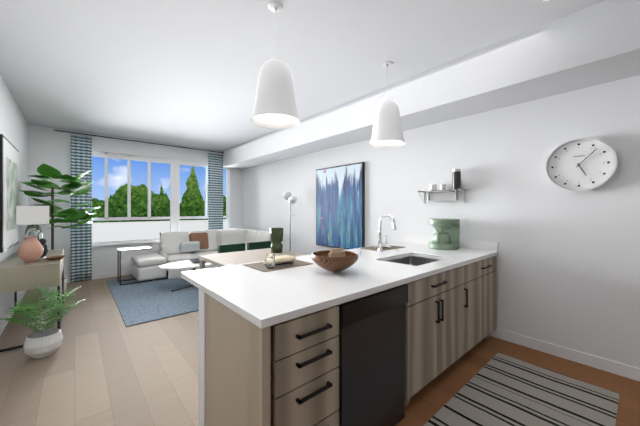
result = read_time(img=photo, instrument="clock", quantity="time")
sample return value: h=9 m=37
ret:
h=5 m=7
